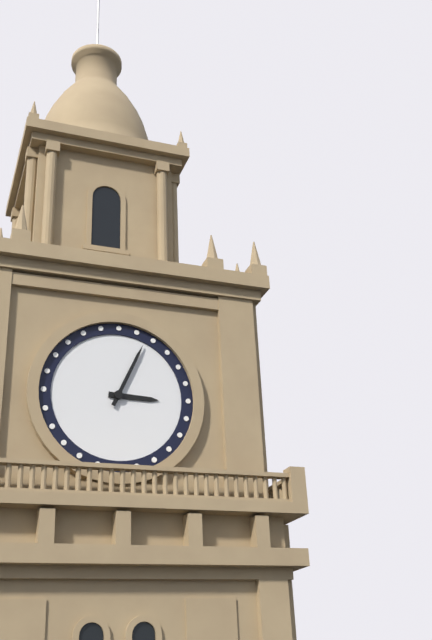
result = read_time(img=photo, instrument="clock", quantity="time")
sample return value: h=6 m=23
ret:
h=3 m=4
